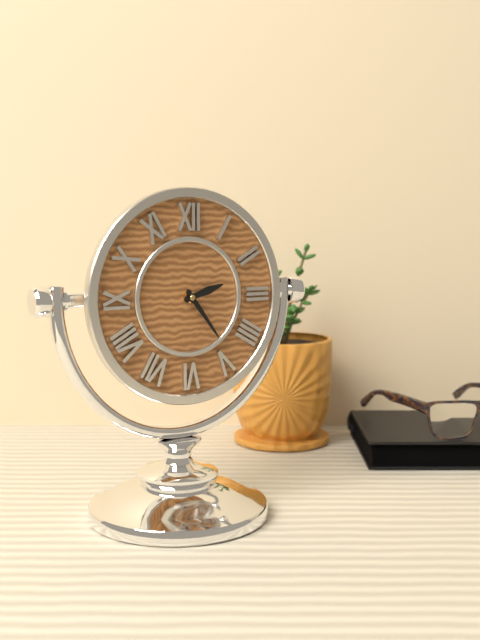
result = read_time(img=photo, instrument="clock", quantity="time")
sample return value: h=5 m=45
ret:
h=2 m=24
